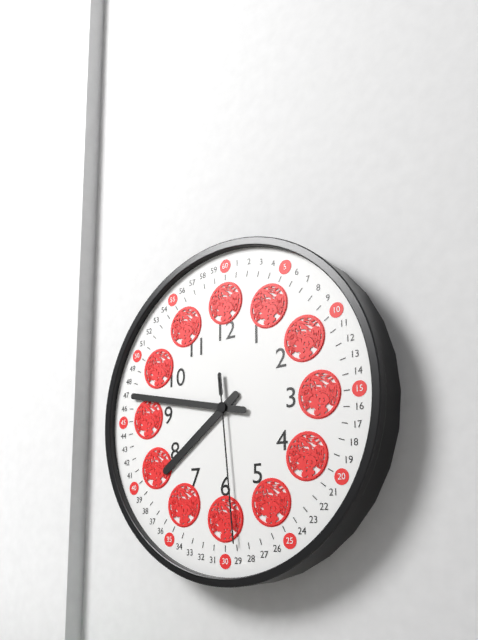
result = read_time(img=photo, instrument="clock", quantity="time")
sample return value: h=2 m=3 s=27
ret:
h=7 m=47 s=29
